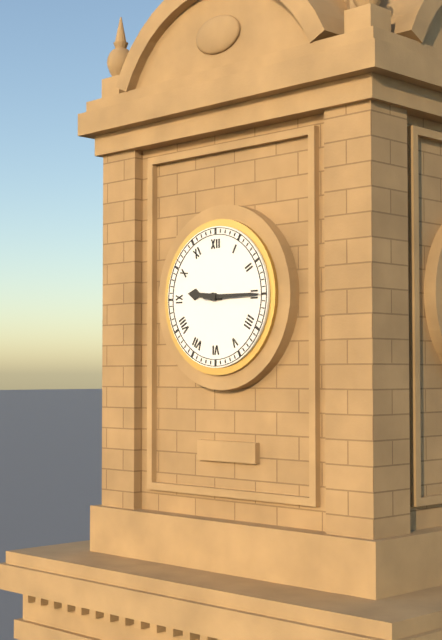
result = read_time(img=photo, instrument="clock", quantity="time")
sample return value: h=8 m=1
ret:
h=9 m=15
